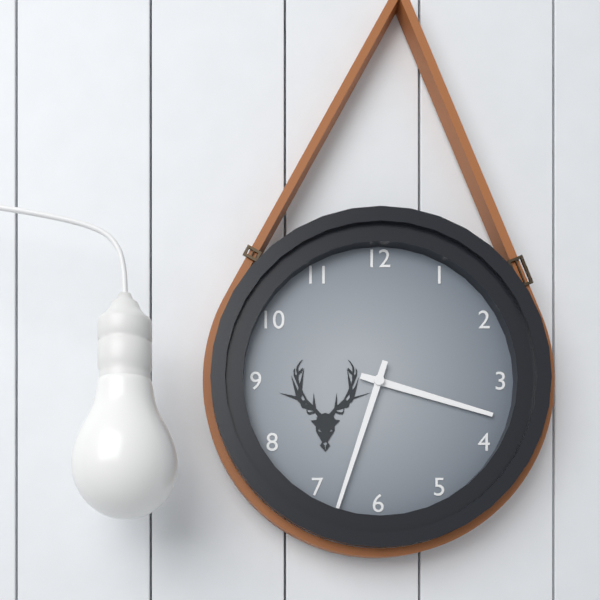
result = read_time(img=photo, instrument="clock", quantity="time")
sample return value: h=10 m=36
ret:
h=3 m=33
